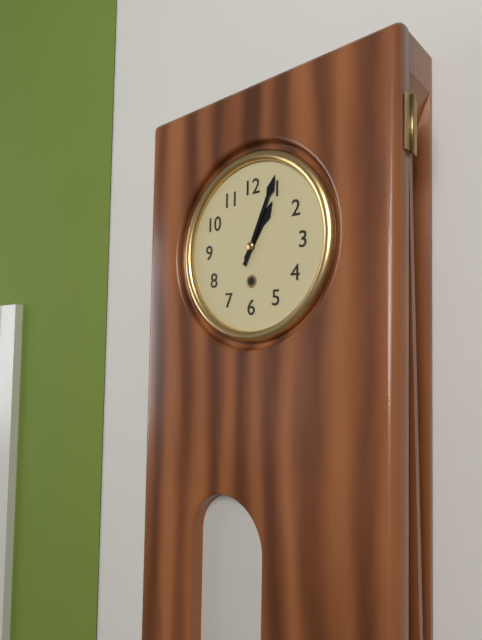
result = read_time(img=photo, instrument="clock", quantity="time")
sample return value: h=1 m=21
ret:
h=1 m=4
